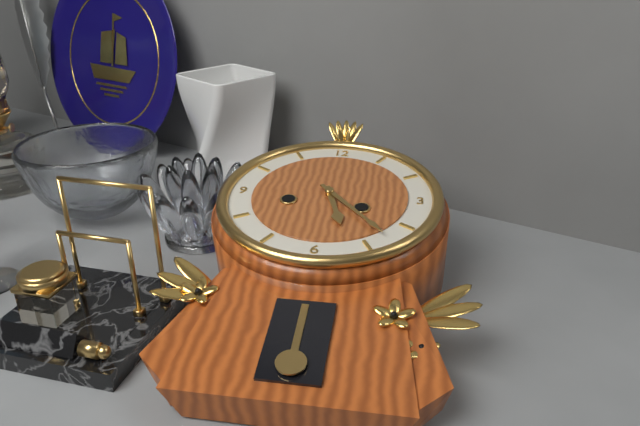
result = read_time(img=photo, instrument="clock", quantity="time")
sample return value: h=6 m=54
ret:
h=5 m=23
